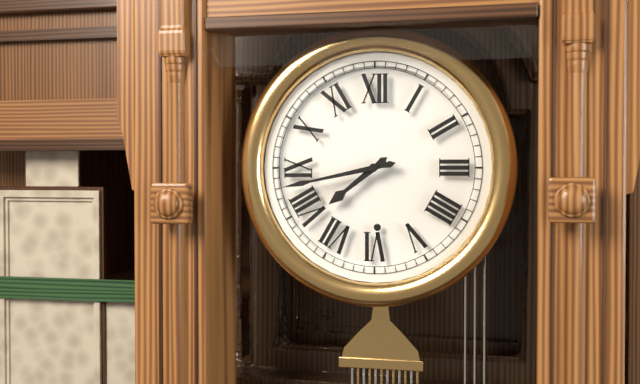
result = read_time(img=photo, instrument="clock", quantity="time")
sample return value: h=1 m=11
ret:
h=7 m=43
